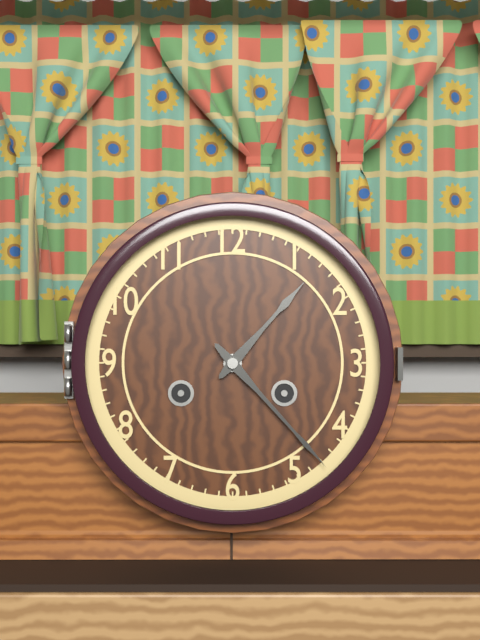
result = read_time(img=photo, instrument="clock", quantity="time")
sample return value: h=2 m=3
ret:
h=1 m=23
